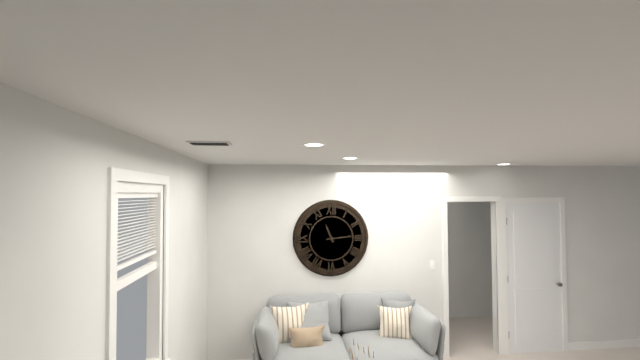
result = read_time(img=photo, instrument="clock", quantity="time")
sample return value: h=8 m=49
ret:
h=11 m=14
